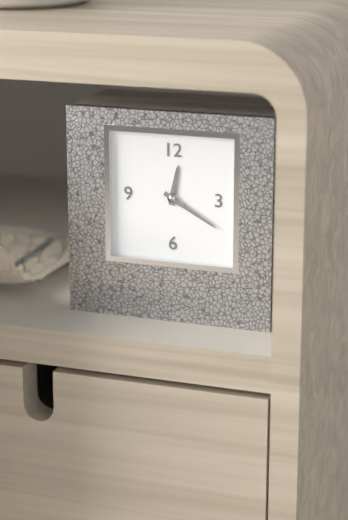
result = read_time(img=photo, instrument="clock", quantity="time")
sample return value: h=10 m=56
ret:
h=12 m=20
